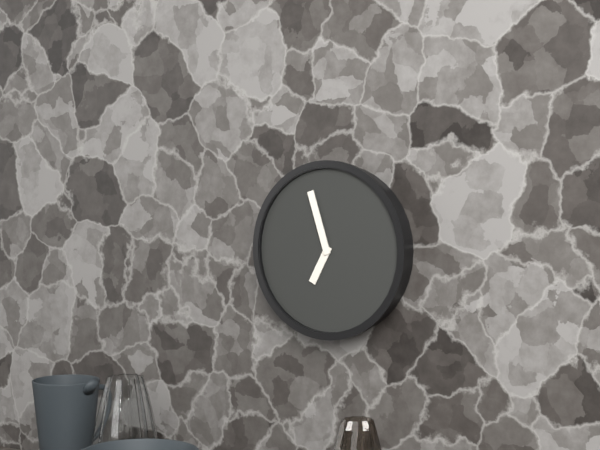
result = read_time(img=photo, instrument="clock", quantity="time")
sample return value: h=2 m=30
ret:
h=6 m=57
